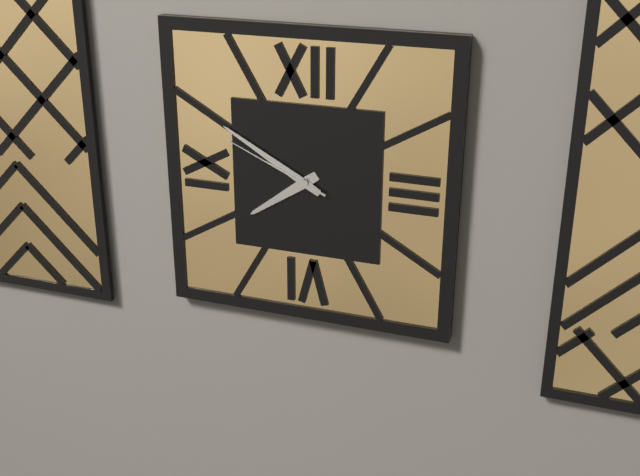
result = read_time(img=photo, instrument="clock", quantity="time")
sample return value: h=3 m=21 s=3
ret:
h=7 m=50 s=49
